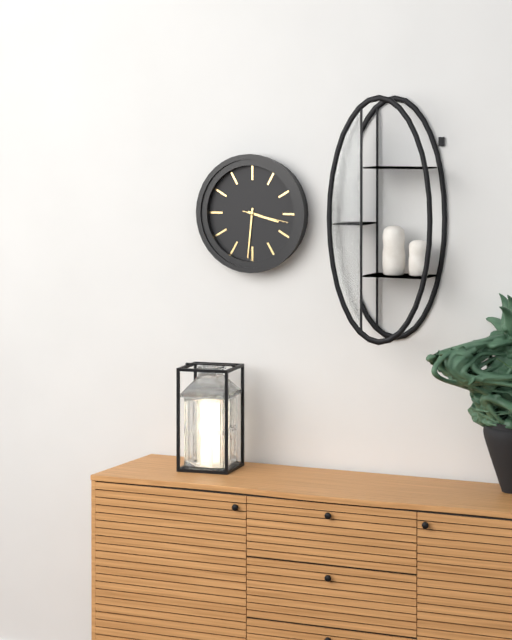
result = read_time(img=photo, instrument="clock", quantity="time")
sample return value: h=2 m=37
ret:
h=3 m=31
